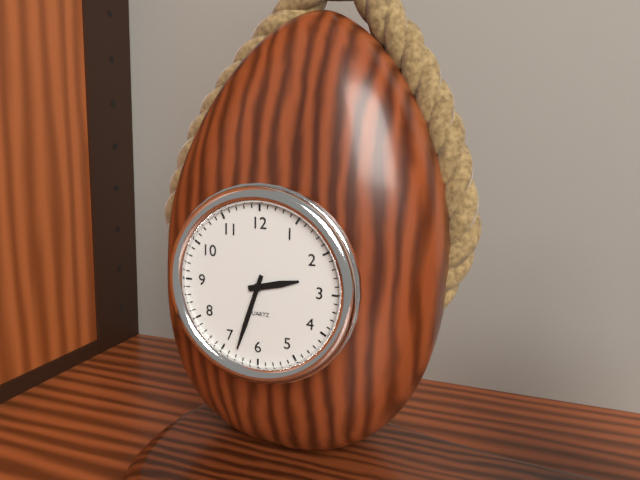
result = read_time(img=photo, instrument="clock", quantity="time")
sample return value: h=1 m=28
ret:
h=2 m=33
